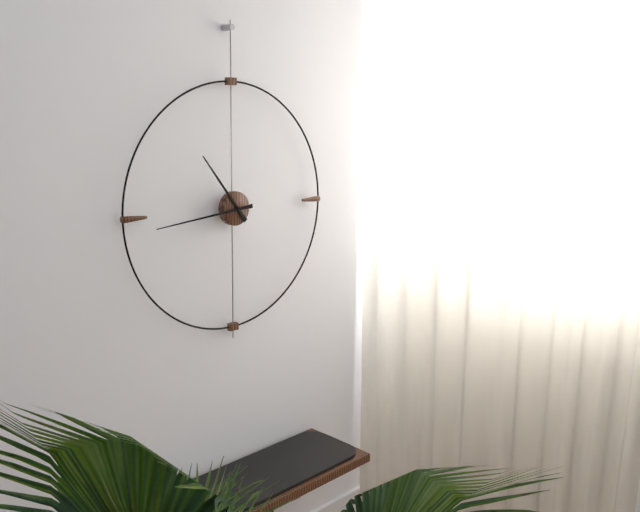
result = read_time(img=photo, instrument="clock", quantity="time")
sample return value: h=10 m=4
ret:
h=10 m=44
